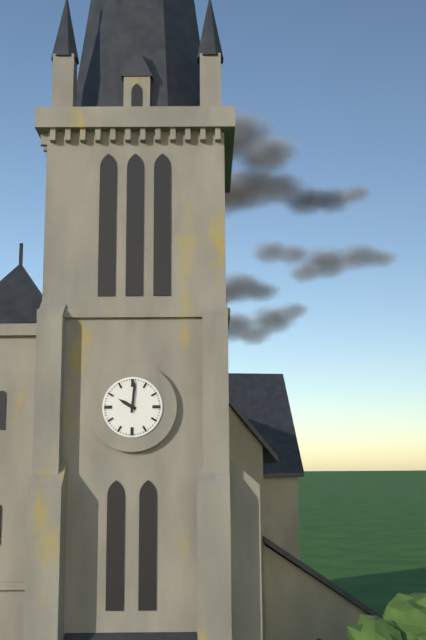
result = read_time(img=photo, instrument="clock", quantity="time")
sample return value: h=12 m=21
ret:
h=10 m=1
